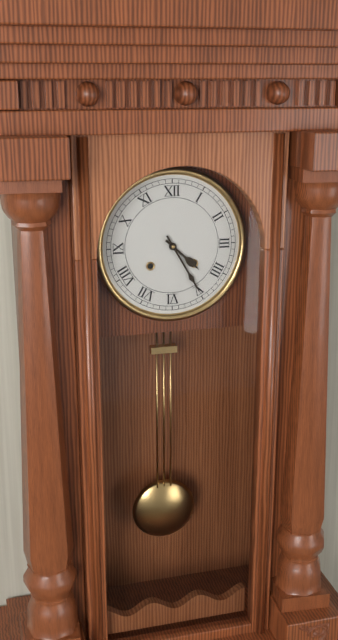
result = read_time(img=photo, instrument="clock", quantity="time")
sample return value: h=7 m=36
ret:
h=4 m=25
